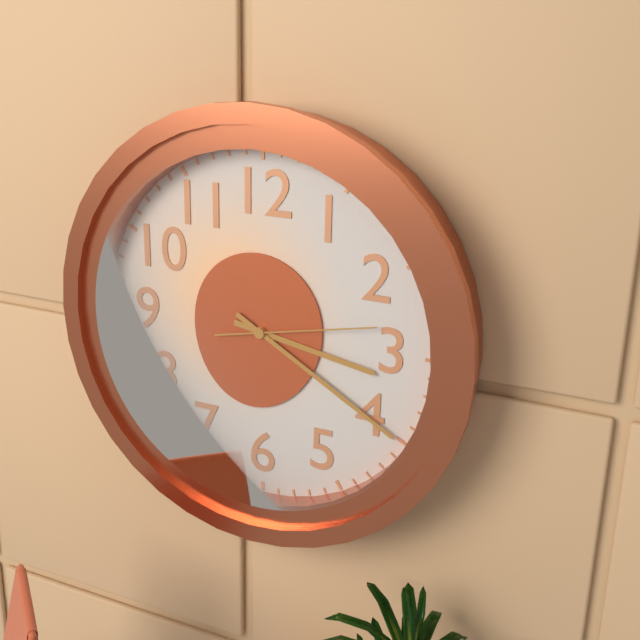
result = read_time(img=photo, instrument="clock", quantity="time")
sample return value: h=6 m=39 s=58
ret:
h=3 m=20 s=13
